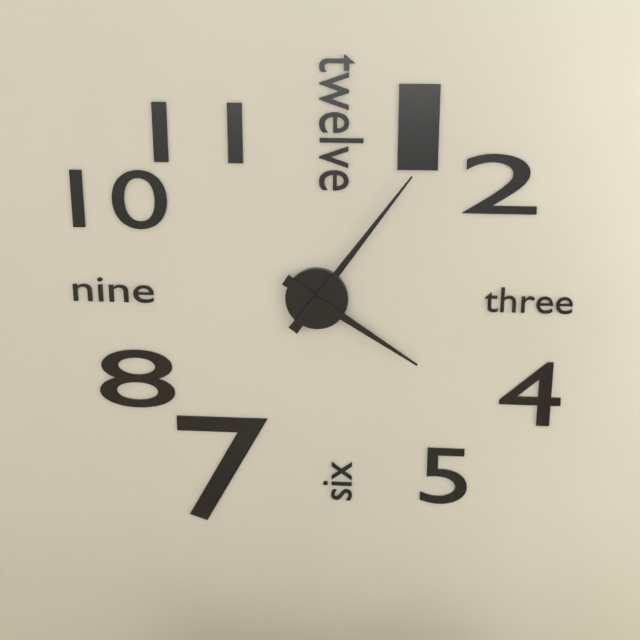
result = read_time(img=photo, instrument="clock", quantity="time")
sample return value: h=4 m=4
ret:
h=4 m=6
